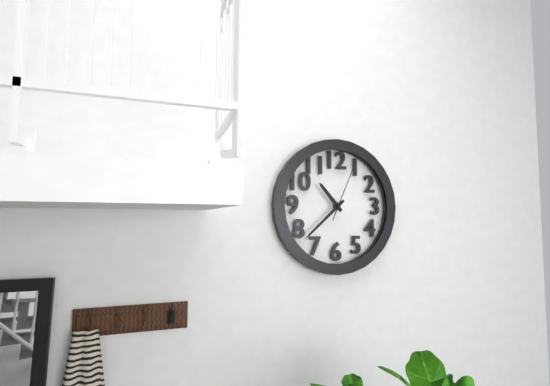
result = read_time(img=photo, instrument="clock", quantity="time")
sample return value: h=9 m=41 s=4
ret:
h=10 m=38 s=4
